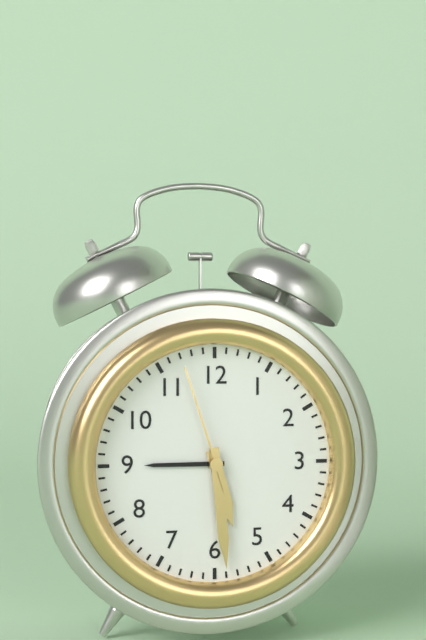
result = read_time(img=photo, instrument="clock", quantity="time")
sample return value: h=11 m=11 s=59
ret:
h=5 m=29 s=57
